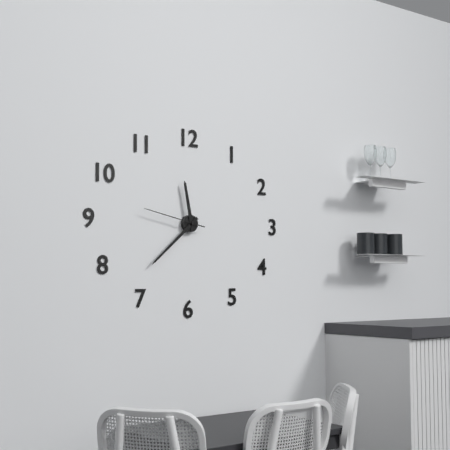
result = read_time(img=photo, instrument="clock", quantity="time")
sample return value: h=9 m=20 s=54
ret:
h=11 m=38 s=47
